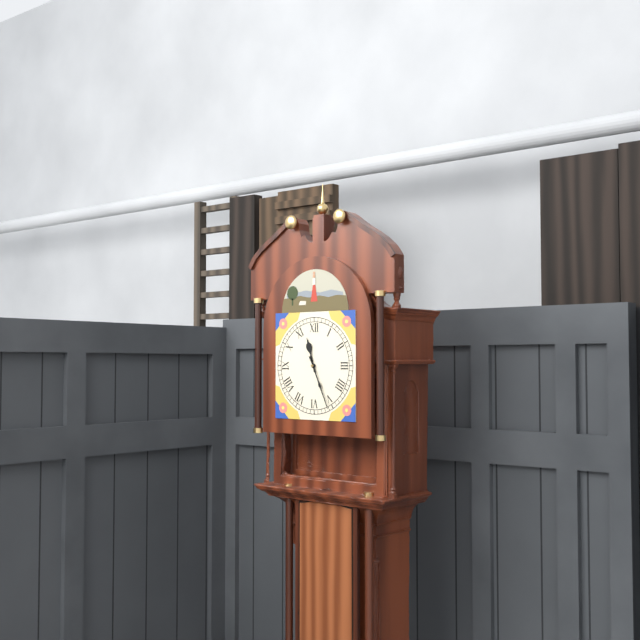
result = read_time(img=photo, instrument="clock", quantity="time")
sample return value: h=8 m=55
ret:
h=11 m=26
